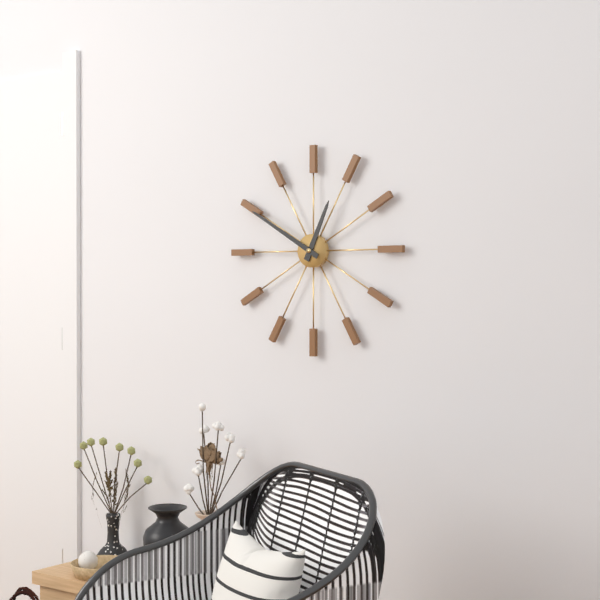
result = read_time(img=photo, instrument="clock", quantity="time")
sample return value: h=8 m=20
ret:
h=12 m=50
